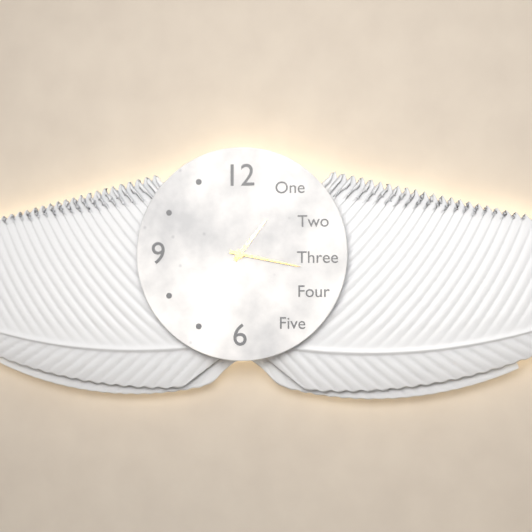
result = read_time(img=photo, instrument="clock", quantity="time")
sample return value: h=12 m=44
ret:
h=1 m=17
